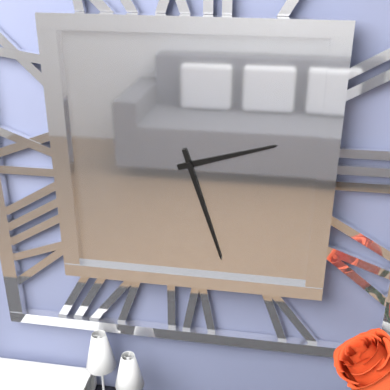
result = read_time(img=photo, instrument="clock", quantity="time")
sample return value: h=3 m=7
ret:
h=2 m=27
